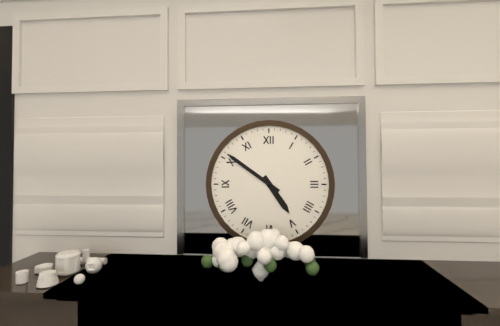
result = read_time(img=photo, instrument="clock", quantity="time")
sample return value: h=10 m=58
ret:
h=4 m=51
